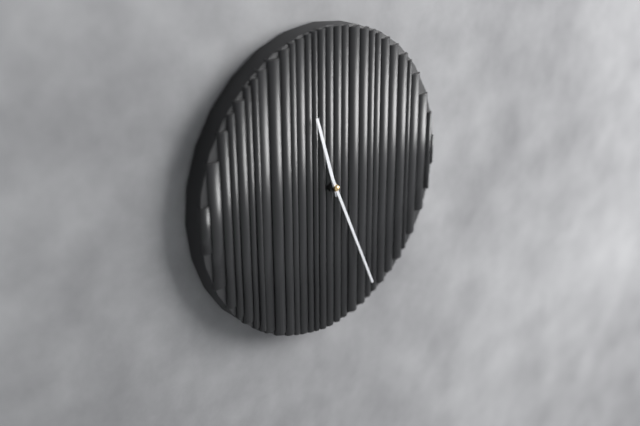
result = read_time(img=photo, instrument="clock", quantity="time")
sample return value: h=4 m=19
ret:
h=11 m=26
